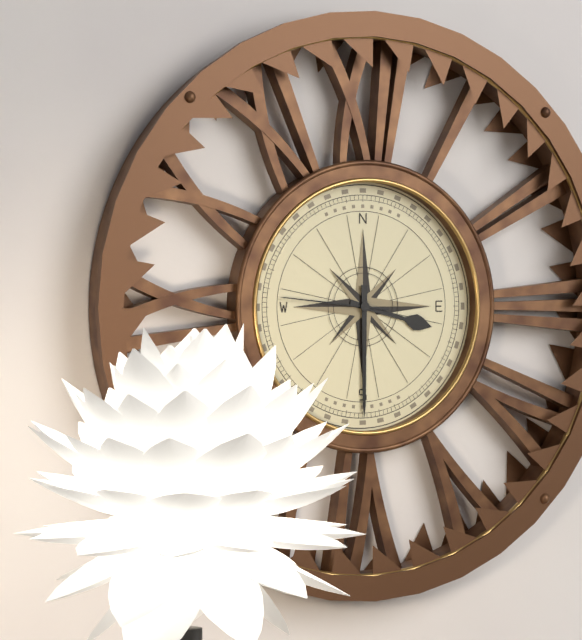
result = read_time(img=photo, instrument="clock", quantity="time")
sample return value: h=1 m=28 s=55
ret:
h=3 m=30 s=46
